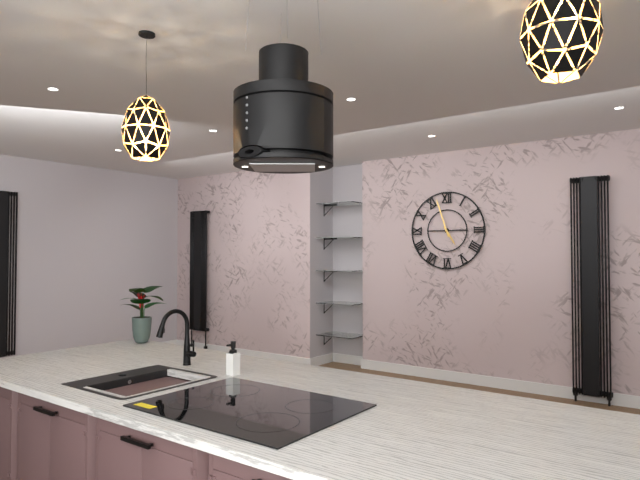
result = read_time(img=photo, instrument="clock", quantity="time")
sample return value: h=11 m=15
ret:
h=4 m=57
